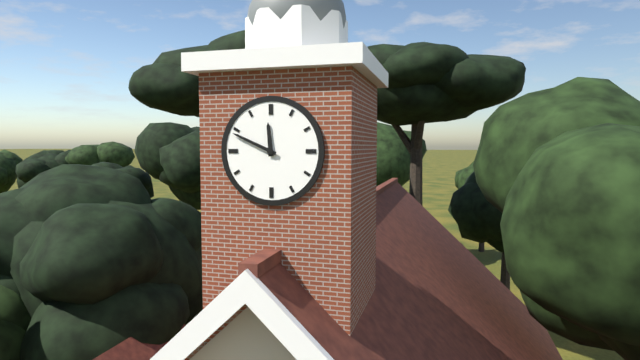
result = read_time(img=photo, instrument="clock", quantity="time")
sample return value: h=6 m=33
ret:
h=11 m=49
